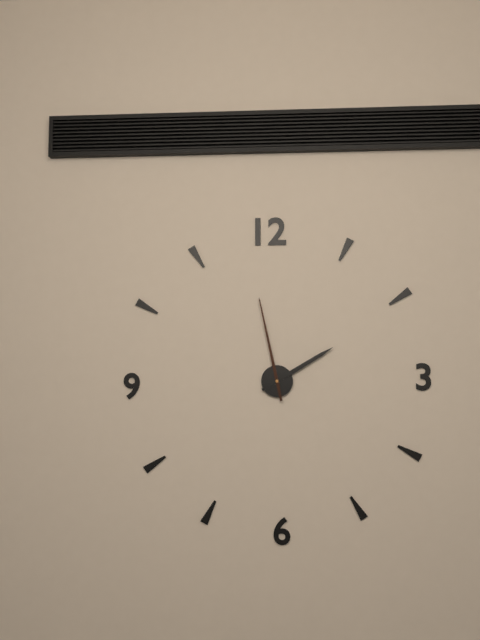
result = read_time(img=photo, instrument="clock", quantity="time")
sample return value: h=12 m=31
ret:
h=1 m=58
